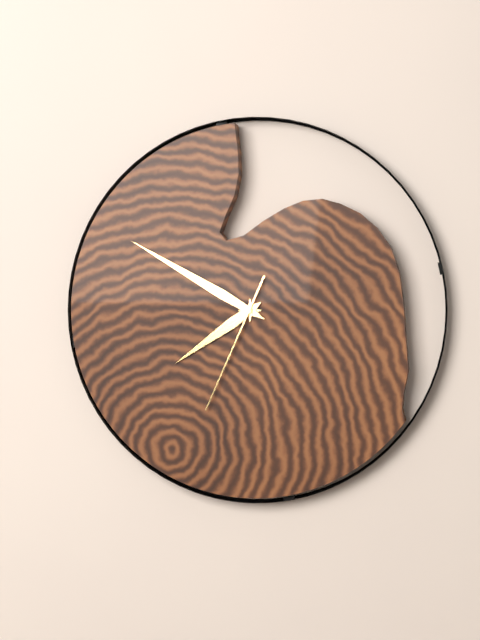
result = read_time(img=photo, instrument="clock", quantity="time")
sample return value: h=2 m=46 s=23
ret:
h=7 m=50 s=34
